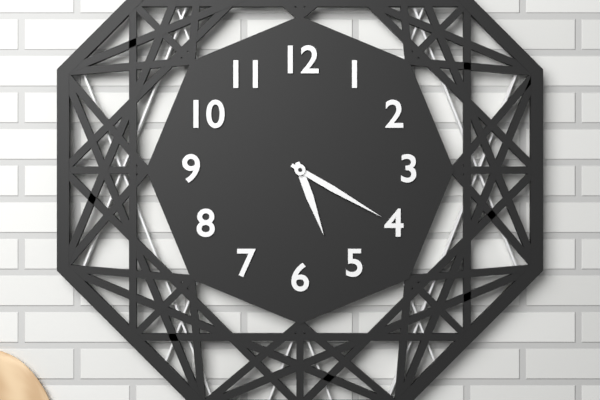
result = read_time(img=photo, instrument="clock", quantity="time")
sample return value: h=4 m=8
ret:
h=5 m=20
